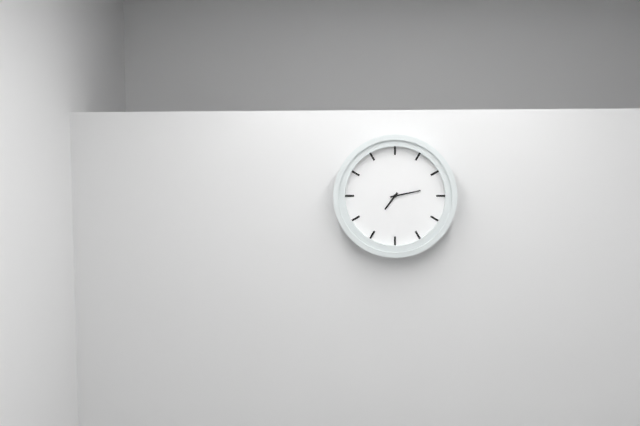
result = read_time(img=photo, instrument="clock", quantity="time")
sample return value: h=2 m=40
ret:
h=7 m=13
